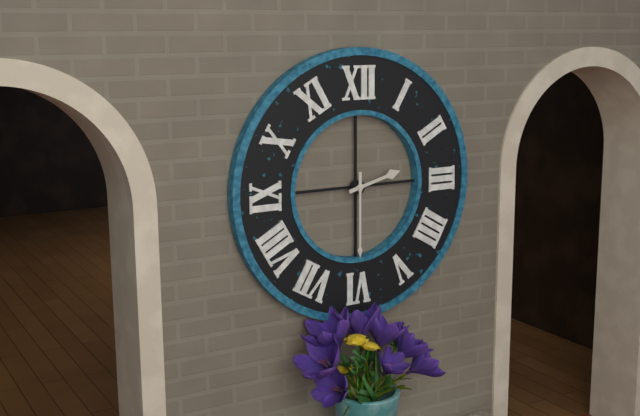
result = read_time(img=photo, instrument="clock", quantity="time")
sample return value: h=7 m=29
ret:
h=2 m=30
